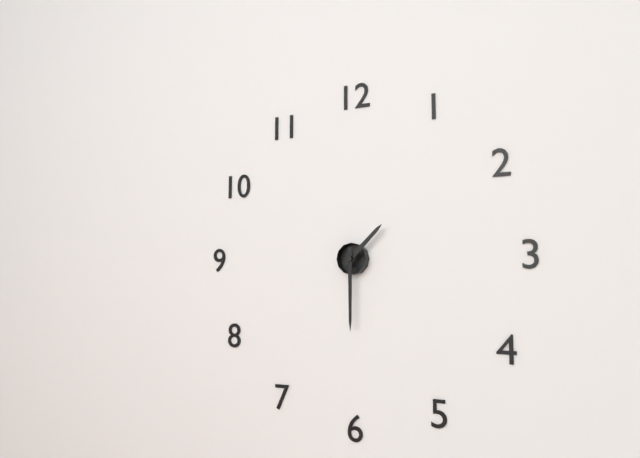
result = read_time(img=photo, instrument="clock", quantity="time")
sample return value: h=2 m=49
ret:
h=1 m=30
